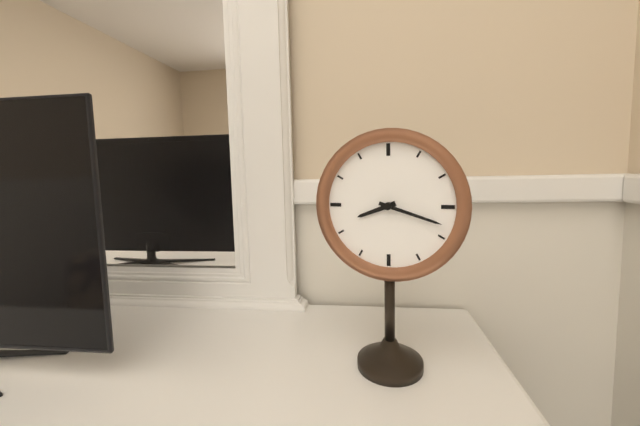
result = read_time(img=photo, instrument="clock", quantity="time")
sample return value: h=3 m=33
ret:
h=8 m=18
